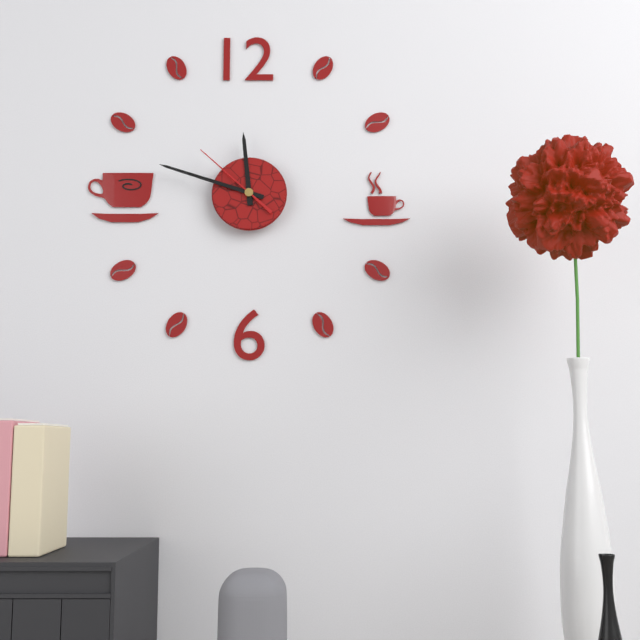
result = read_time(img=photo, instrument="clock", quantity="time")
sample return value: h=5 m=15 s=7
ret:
h=11 m=48 s=52
